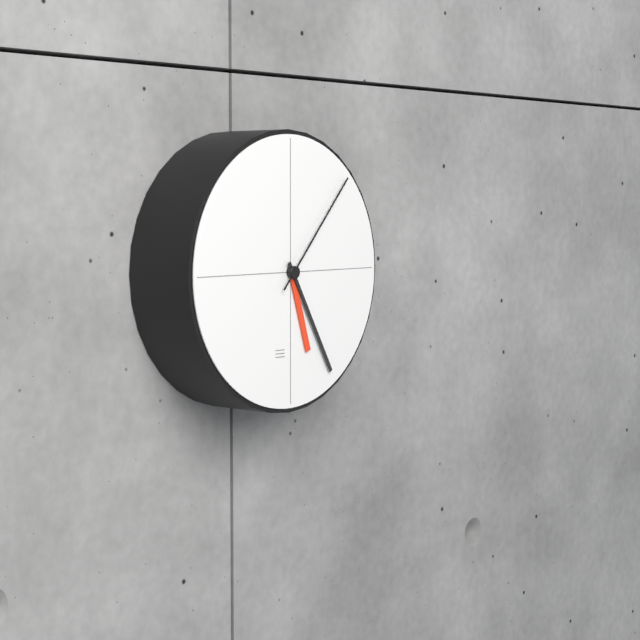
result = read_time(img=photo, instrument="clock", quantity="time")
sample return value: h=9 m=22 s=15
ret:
h=5 m=25 s=7
